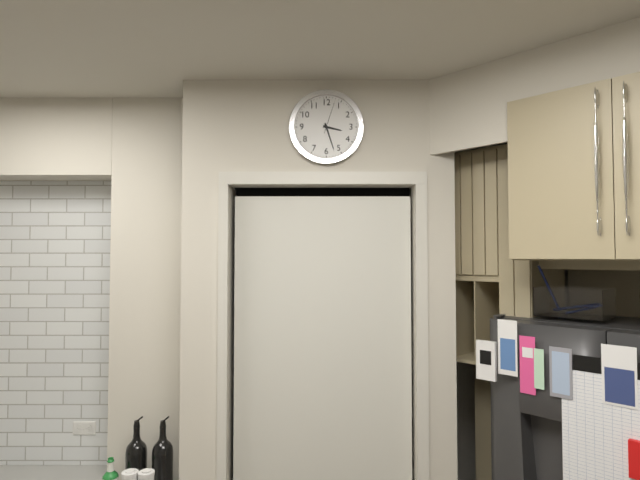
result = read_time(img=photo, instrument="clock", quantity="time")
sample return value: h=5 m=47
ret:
h=3 m=27
